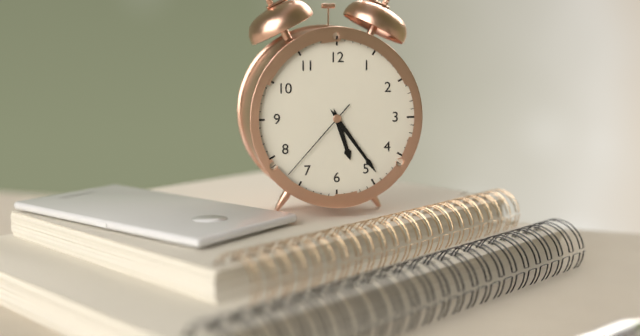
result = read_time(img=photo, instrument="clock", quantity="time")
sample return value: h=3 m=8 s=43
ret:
h=5 m=24 s=37
